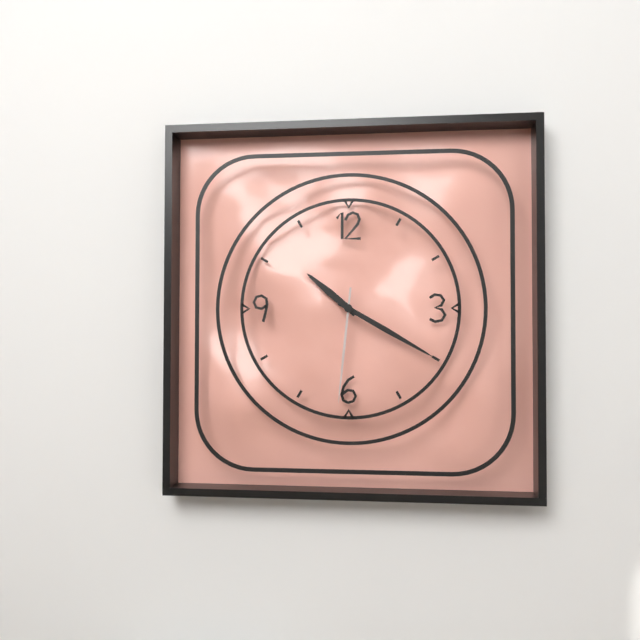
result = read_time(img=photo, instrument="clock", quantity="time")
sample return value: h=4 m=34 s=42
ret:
h=10 m=20 s=31
